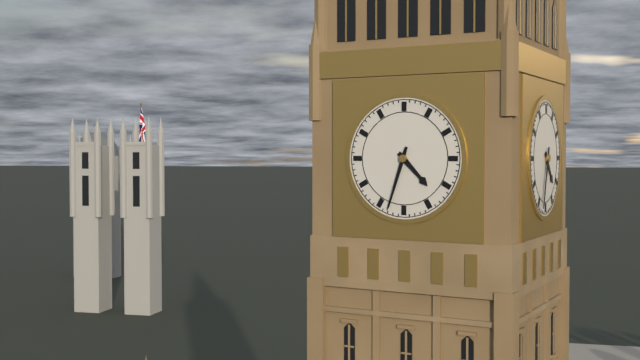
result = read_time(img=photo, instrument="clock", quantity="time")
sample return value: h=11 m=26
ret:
h=4 m=33
